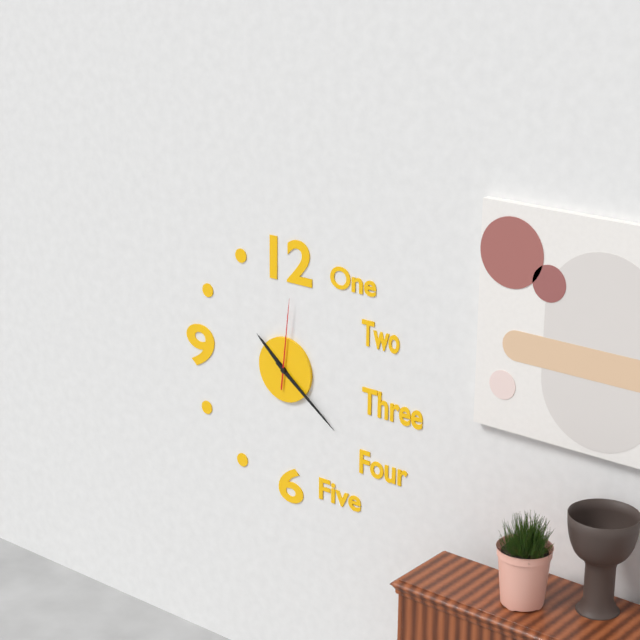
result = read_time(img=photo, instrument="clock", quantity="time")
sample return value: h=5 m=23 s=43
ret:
h=10 m=21 s=1
